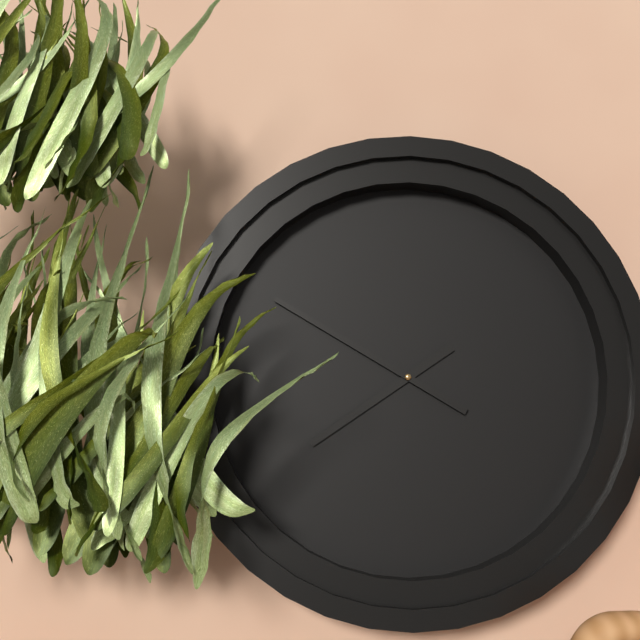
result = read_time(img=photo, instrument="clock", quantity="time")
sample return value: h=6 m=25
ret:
h=7 m=50
